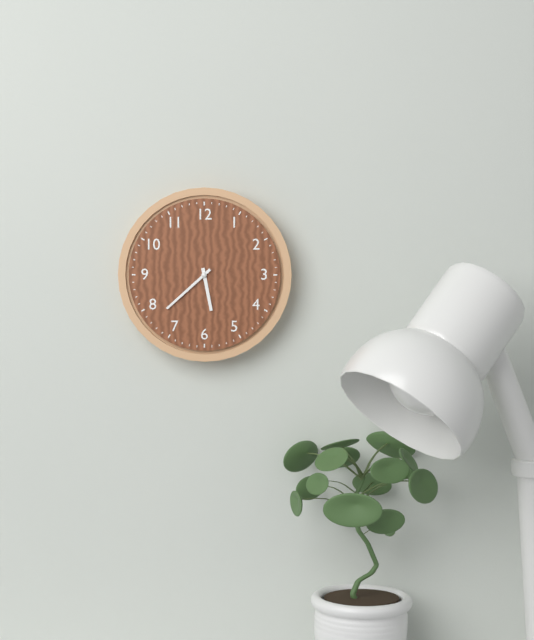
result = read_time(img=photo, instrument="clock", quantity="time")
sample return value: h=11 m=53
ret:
h=5 m=38
